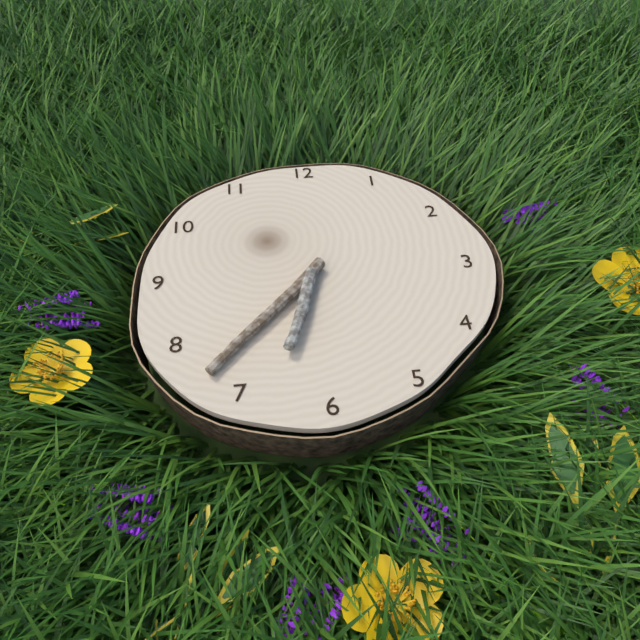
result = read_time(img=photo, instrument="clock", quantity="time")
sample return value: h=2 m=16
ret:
h=6 m=37
